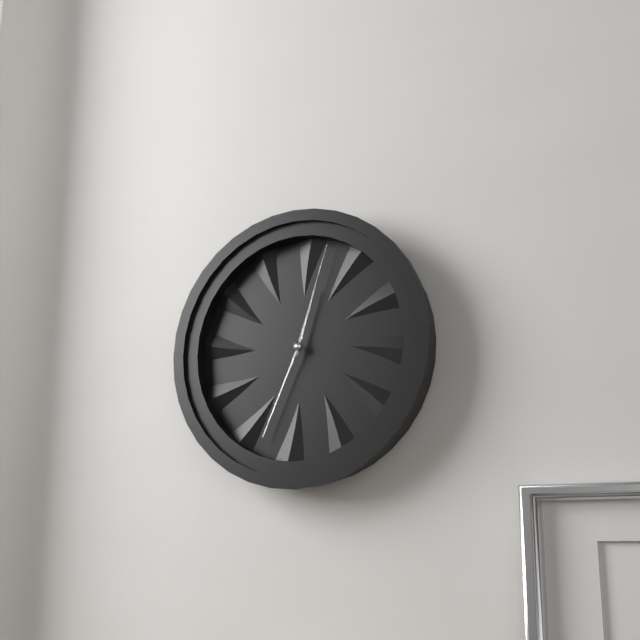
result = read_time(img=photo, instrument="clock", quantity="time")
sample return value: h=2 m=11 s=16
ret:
h=12 m=34 s=3
